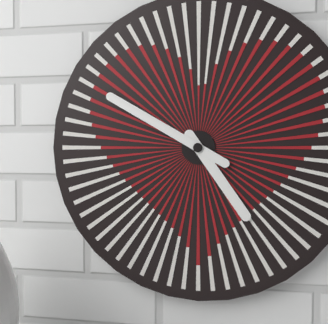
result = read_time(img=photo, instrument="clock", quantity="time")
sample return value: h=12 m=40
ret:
h=4 m=50
